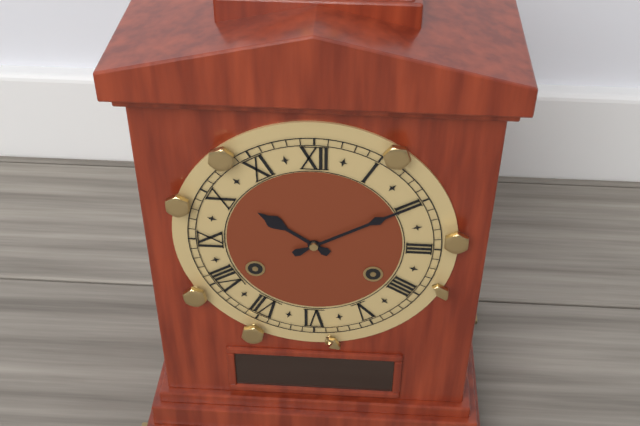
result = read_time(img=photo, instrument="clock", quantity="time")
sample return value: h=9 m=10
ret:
h=10 m=10
